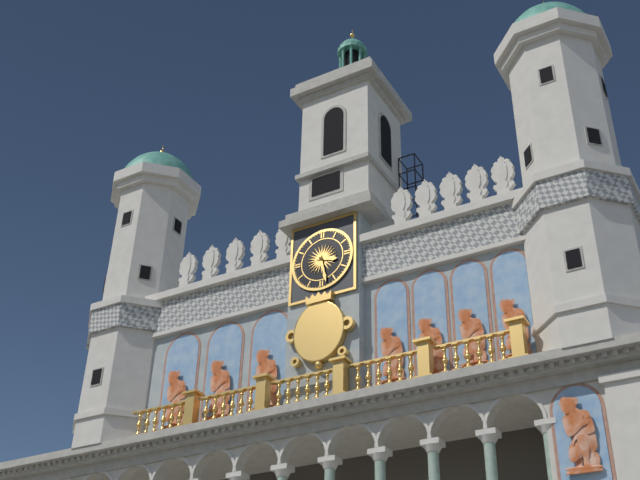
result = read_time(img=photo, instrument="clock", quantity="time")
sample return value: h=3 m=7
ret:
h=3 m=28
